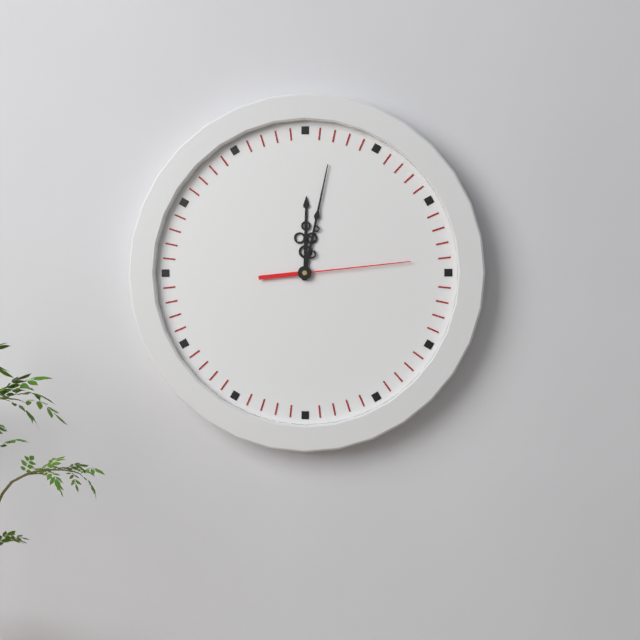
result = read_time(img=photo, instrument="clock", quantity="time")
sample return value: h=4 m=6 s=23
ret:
h=12 m=2 s=14
